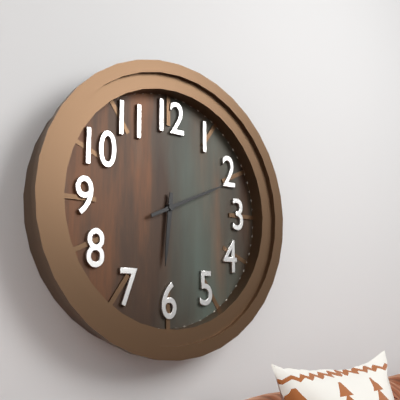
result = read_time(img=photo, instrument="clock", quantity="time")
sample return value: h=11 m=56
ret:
h=6 m=11
